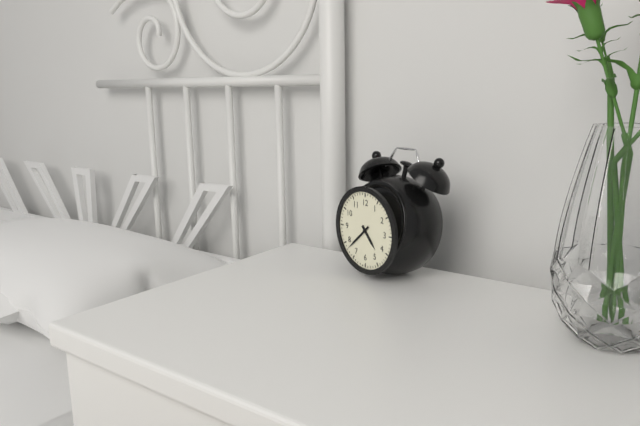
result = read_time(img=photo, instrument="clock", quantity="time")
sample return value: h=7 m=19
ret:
h=4 m=38
